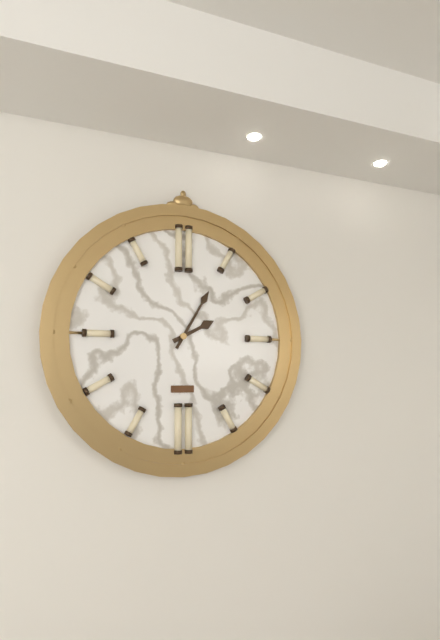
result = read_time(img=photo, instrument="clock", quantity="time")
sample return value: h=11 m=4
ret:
h=2 m=5
